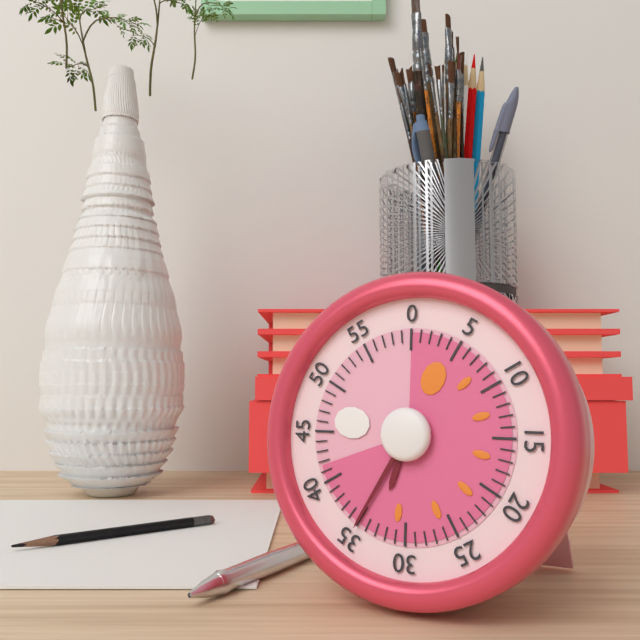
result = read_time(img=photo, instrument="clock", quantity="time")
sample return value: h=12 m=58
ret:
h=6 m=35
